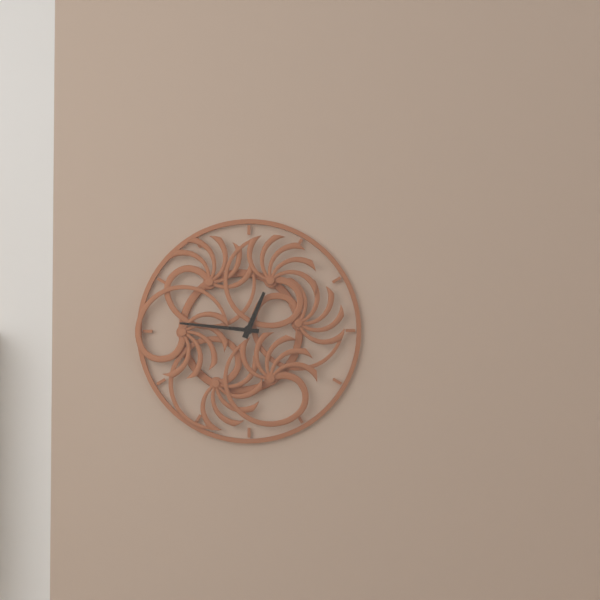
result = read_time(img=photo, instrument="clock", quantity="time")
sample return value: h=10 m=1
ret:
h=12 m=46
